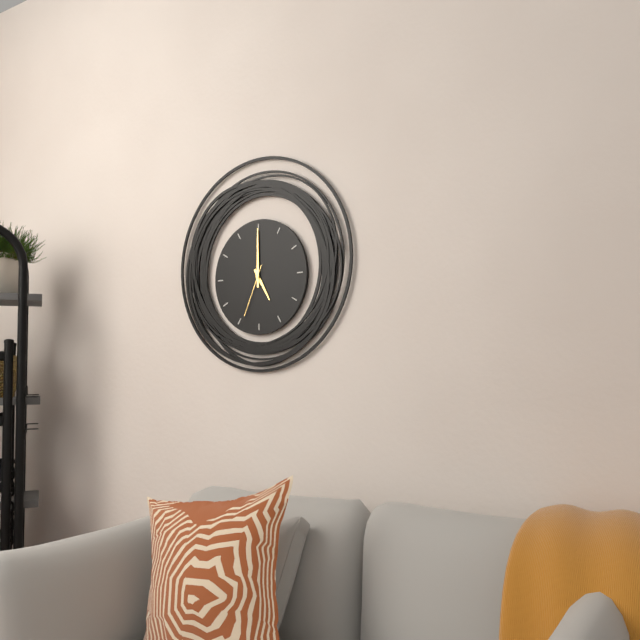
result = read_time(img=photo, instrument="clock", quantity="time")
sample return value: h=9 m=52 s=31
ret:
h=5 m=0 s=34
